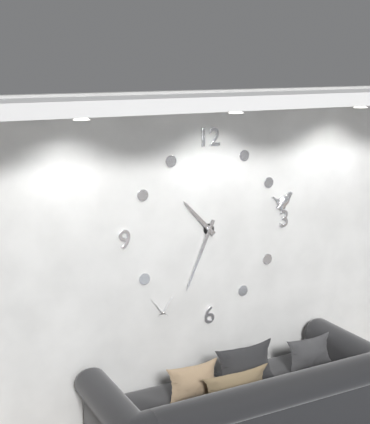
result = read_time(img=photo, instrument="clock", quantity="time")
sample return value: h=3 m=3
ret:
h=10 m=34
